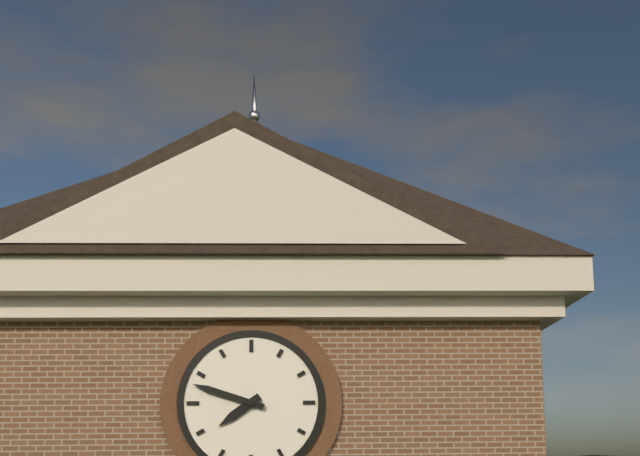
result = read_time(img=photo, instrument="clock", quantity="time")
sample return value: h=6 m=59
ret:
h=7 m=48
